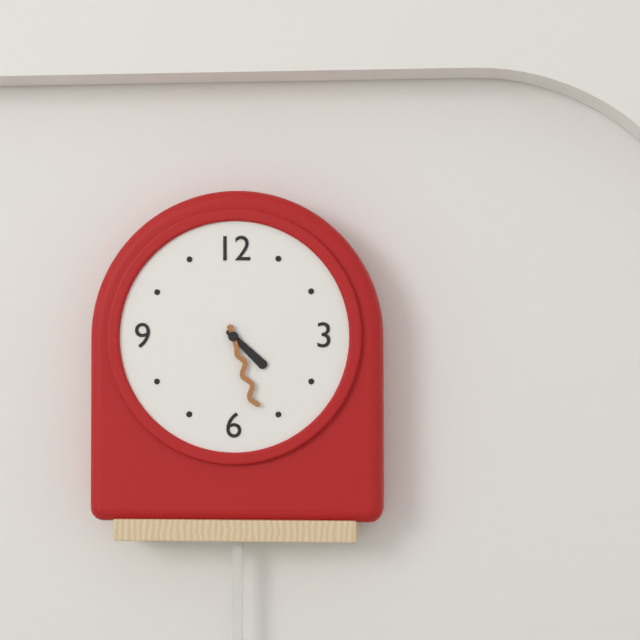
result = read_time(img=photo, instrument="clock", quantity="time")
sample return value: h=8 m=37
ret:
h=4 m=27
